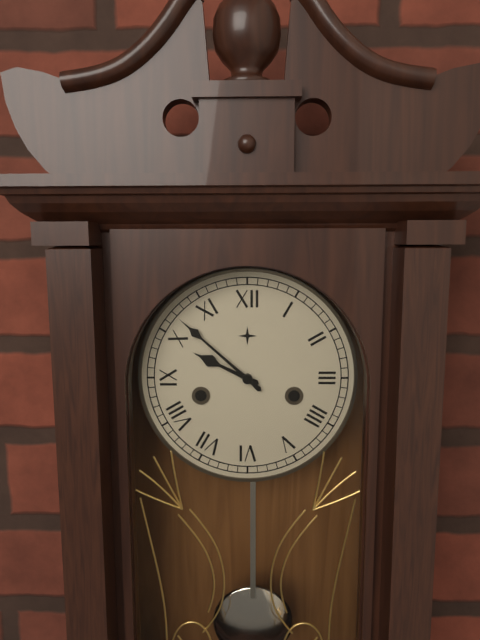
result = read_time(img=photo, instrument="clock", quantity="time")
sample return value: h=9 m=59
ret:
h=9 m=52
